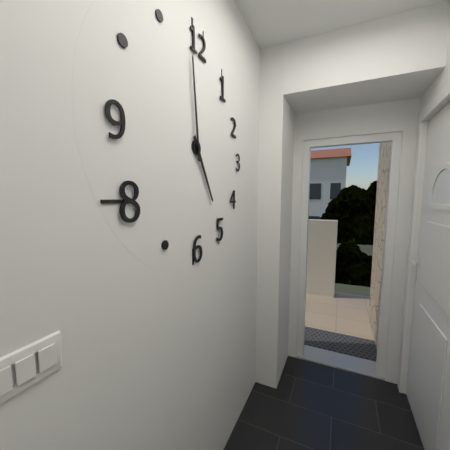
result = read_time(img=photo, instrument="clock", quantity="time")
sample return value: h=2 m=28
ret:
h=4 m=59
